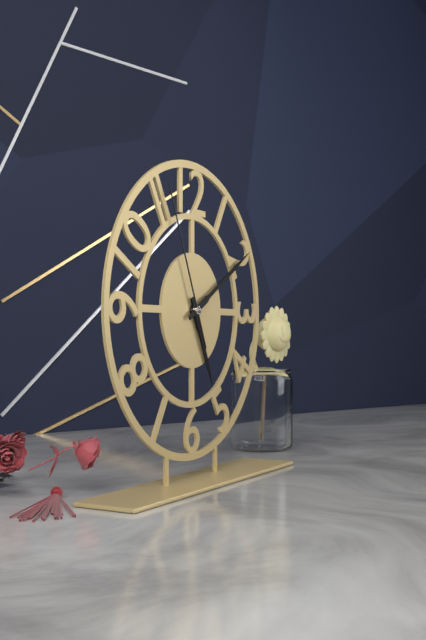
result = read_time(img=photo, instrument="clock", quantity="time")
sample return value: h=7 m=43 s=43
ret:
h=5 m=10 s=56
